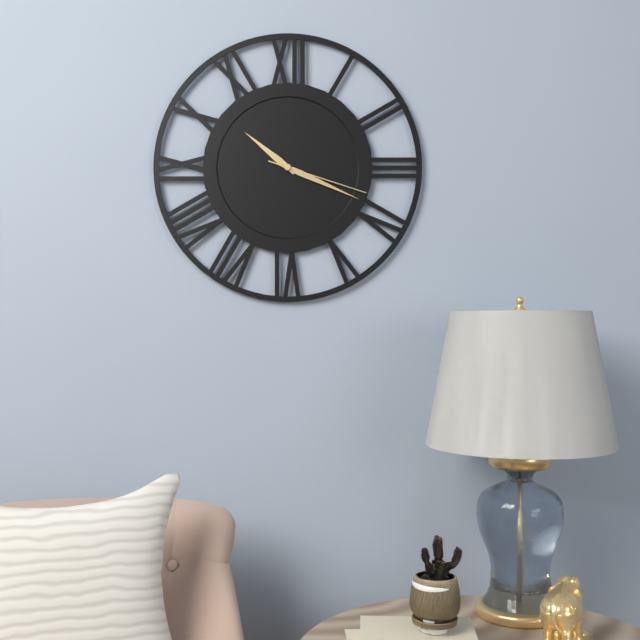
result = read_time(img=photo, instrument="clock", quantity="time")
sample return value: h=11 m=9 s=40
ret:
h=10 m=19 s=18
